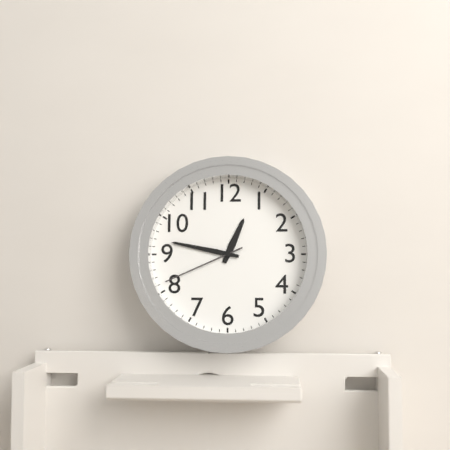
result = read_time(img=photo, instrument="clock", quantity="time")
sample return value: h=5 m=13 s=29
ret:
h=12 m=47 s=41
